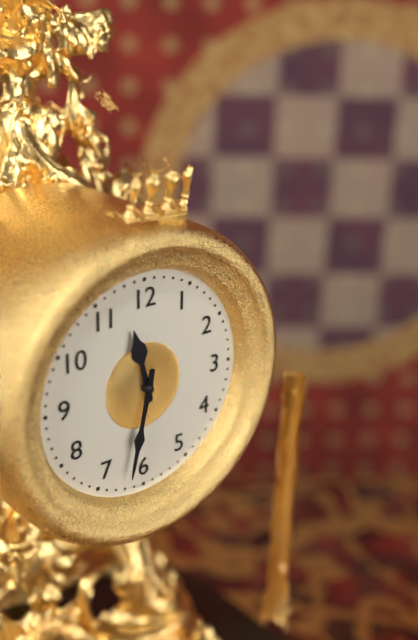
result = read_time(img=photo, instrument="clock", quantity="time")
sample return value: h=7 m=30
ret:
h=11 m=32
